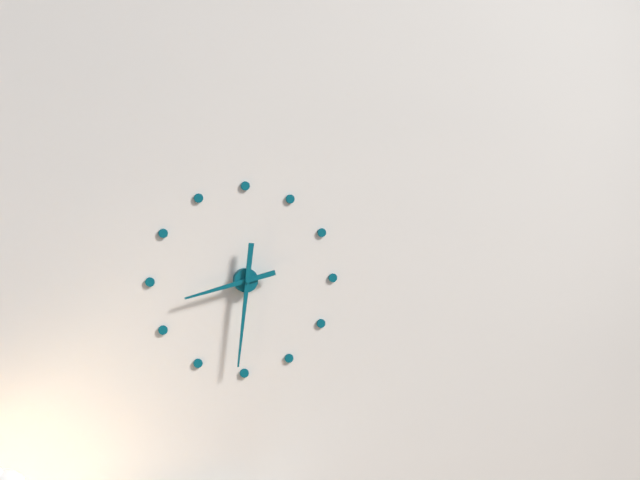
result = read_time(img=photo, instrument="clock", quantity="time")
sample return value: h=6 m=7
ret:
h=8 m=31
